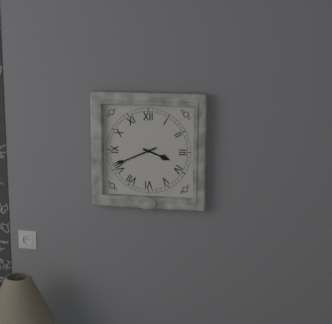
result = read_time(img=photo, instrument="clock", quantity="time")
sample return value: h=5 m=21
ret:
h=3 m=41
